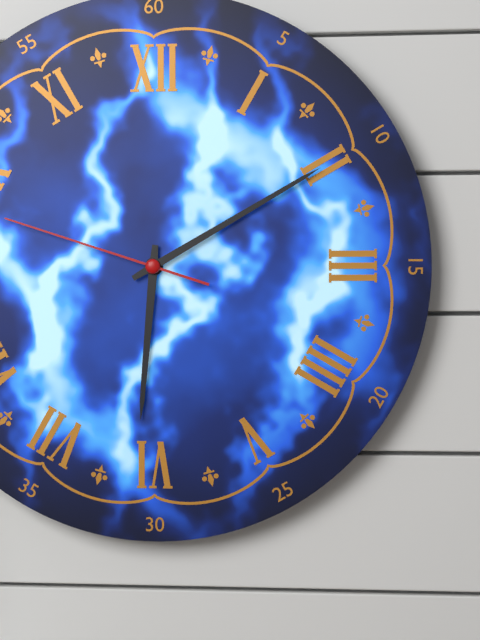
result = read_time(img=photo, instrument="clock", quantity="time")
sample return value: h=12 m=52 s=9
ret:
h=6 m=10 s=48
